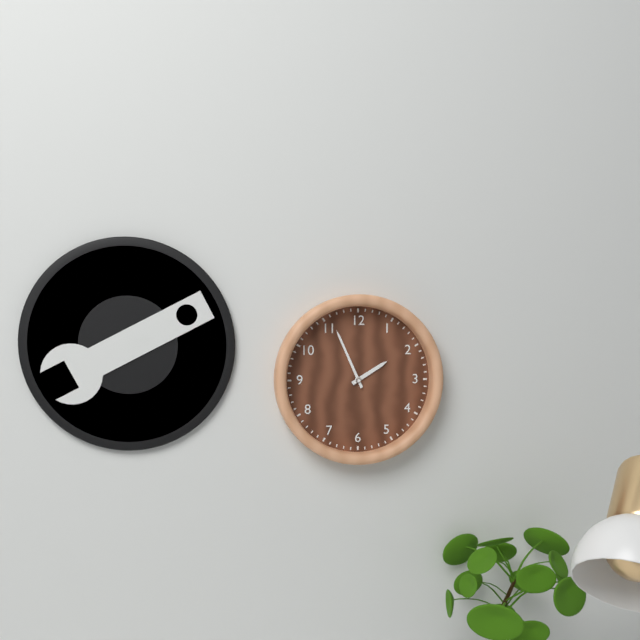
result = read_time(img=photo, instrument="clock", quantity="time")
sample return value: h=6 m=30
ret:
h=1 m=56
